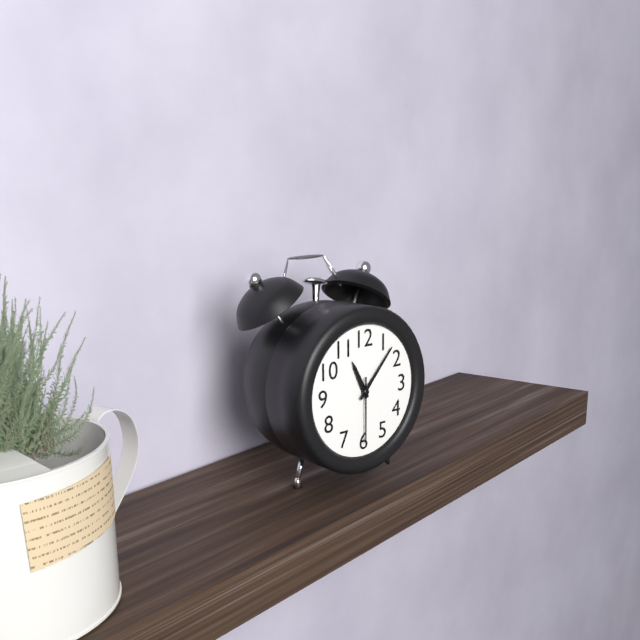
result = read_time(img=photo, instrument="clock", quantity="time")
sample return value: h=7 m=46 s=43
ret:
h=11 m=7 s=30
